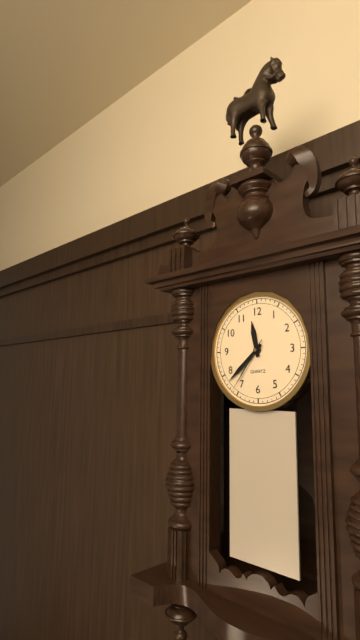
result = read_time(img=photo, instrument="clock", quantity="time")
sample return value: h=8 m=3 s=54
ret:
h=11 m=38 s=36
